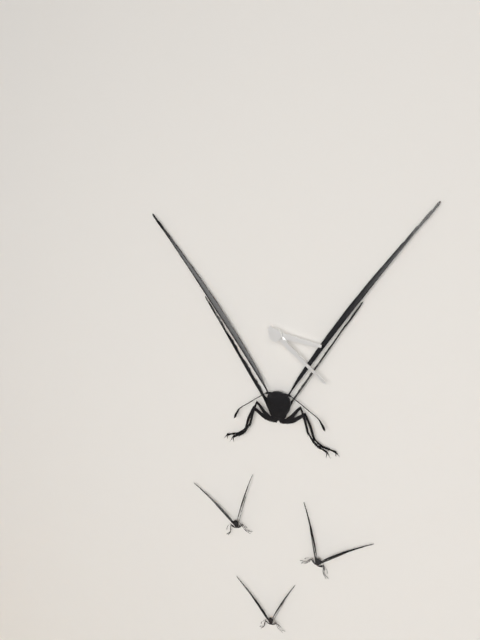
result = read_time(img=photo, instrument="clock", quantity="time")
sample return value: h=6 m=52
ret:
h=3 m=22
